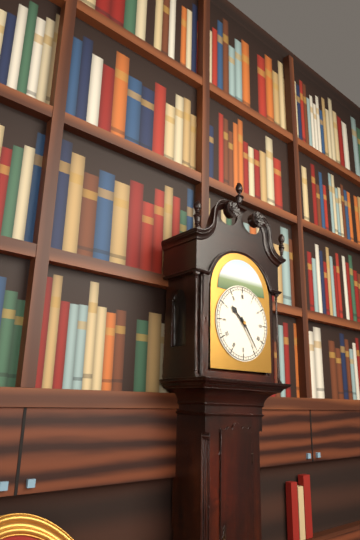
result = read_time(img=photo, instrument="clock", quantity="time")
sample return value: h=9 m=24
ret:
h=10 m=24
